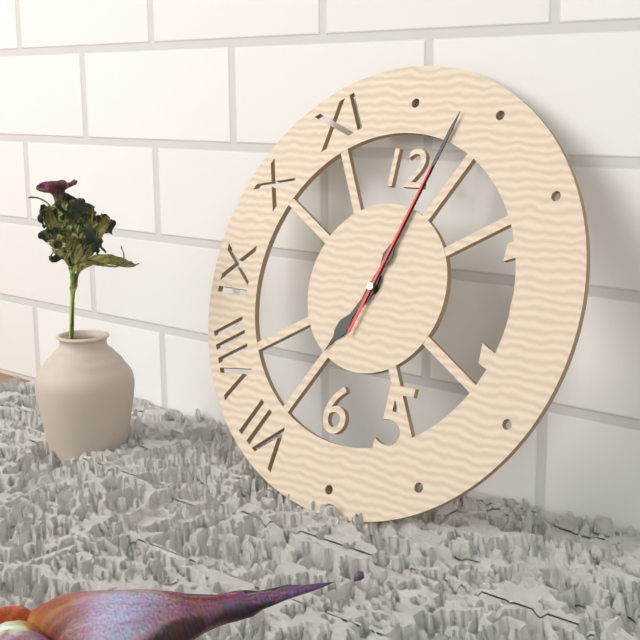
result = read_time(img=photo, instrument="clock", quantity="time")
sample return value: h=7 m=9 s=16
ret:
h=7 m=3 s=3
